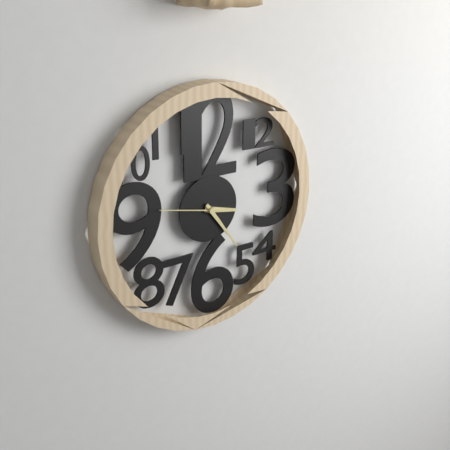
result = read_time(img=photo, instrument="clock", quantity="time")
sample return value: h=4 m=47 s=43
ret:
h=3 m=24 s=47
